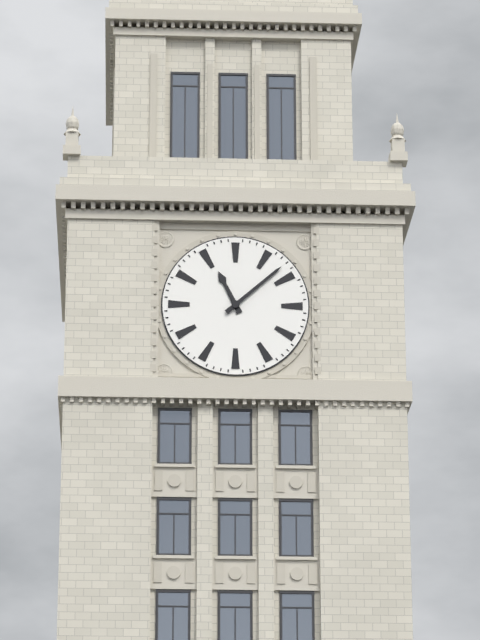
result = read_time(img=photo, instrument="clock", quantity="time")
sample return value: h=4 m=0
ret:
h=11 m=8
